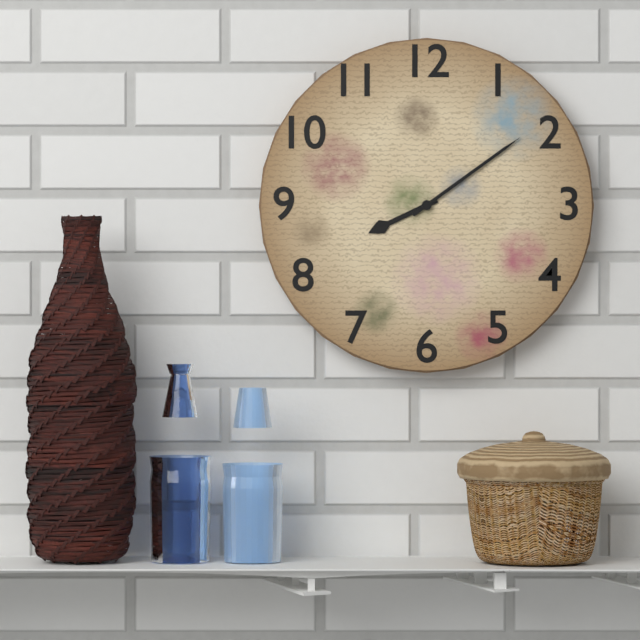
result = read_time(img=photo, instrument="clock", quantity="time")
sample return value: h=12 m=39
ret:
h=8 m=9
